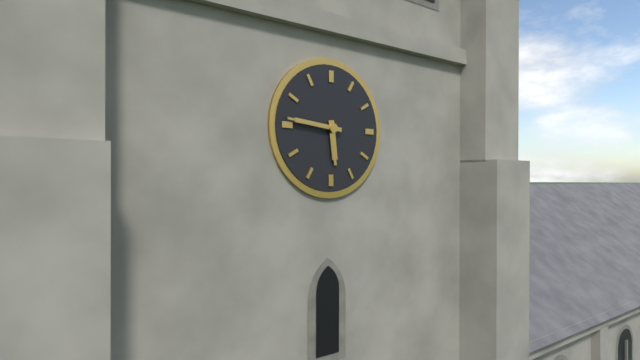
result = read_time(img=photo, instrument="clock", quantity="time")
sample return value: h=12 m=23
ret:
h=5 m=46
